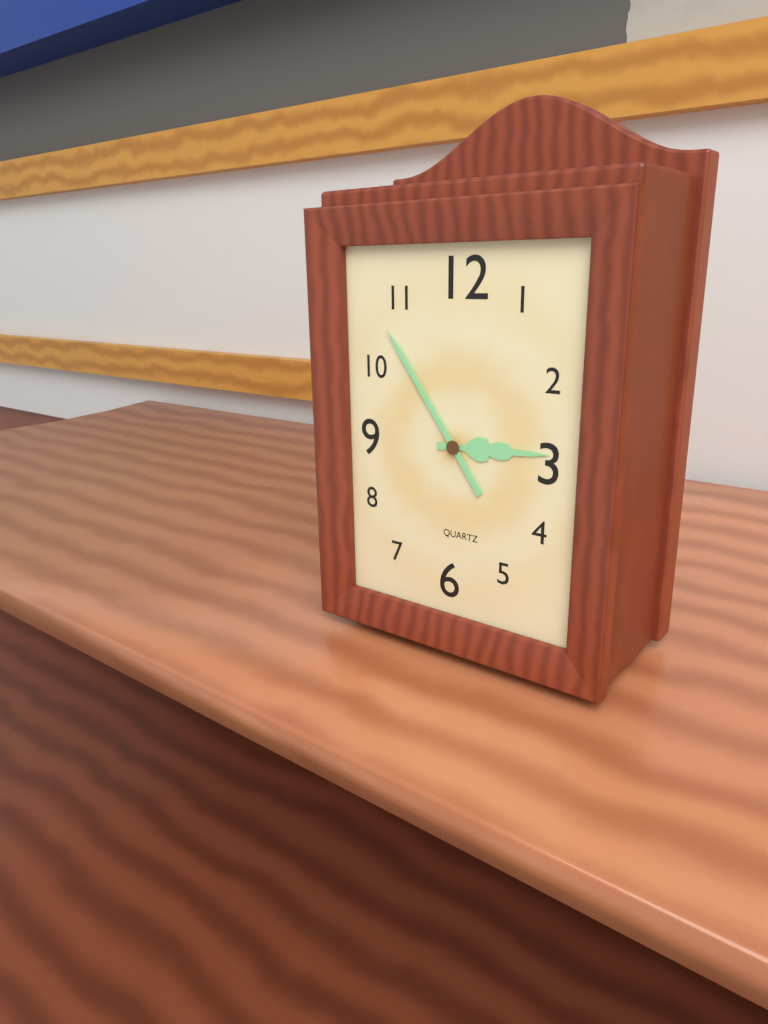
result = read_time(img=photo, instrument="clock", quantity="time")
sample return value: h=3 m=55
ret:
h=2 m=54
